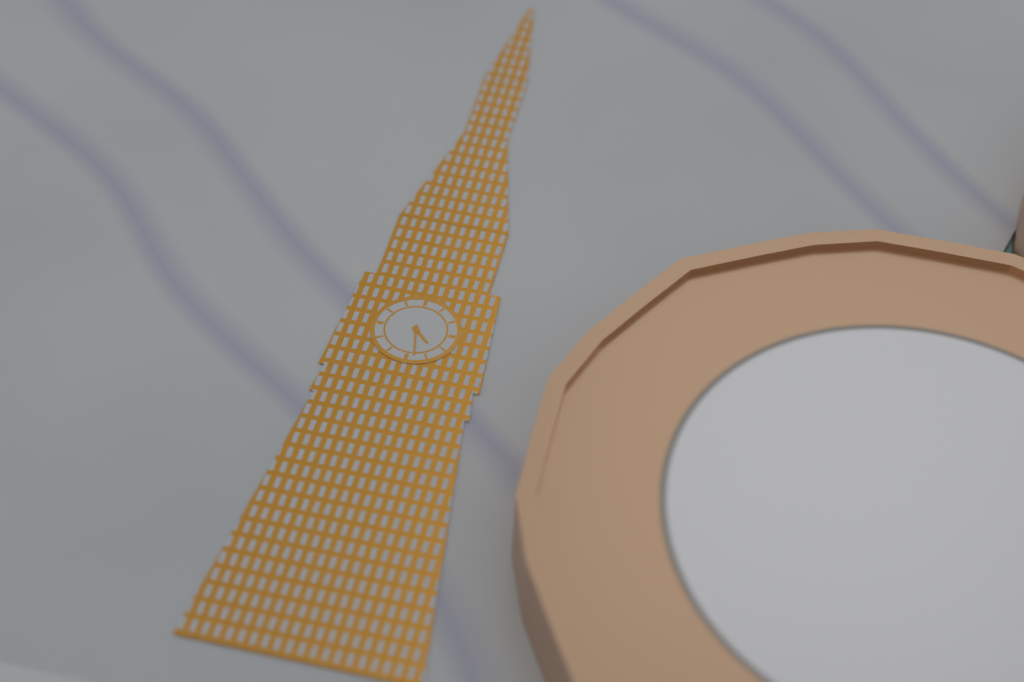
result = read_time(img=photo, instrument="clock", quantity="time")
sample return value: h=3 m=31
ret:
h=4 m=28
